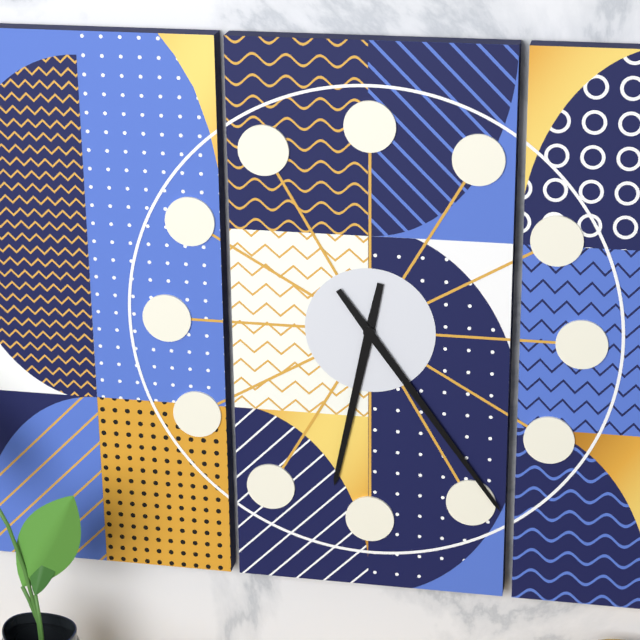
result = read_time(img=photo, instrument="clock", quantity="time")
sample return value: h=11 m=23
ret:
h=6 m=24
